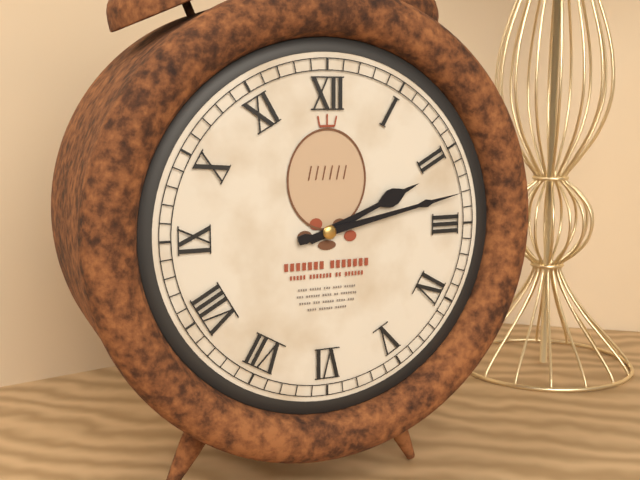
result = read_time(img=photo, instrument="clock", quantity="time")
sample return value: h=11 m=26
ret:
h=2 m=13
